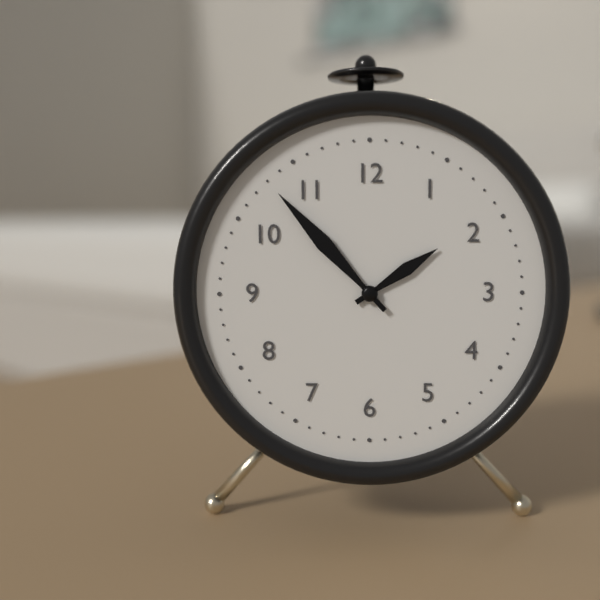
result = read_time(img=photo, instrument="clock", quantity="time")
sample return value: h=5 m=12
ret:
h=1 m=53
